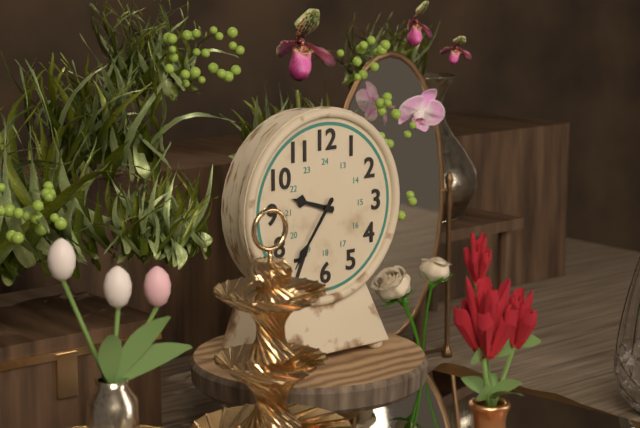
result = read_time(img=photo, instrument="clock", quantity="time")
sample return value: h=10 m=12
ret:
h=9 m=36
